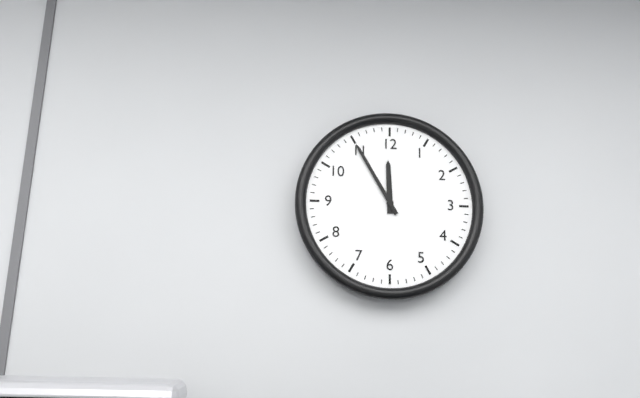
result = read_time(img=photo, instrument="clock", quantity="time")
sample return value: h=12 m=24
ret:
h=11 m=55
